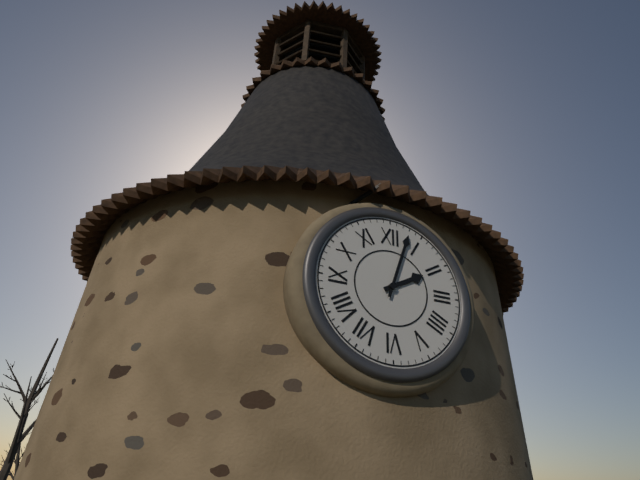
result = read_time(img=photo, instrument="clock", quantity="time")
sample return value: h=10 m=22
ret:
h=2 m=3
